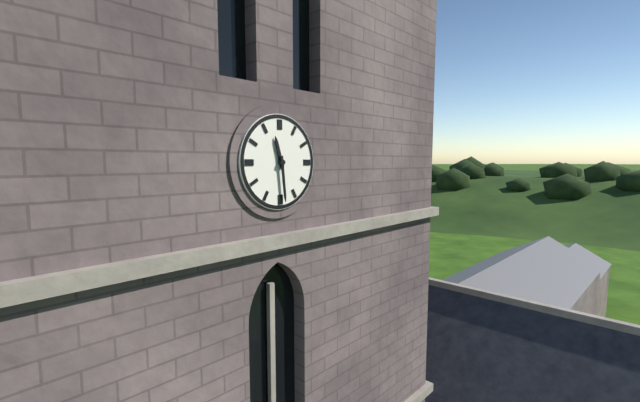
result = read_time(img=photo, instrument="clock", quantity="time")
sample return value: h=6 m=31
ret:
h=11 m=29
